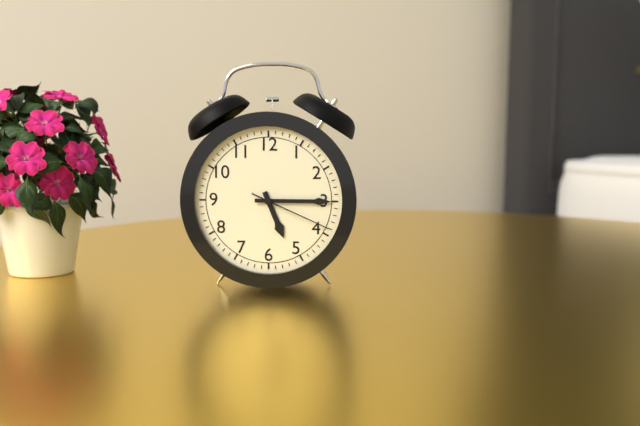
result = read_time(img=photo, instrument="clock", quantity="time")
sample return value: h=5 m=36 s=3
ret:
h=5 m=15 s=19
